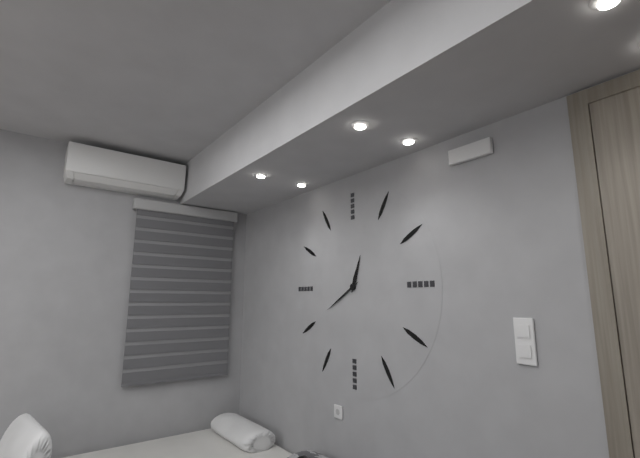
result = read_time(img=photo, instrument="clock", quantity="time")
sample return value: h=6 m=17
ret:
h=12 m=40
